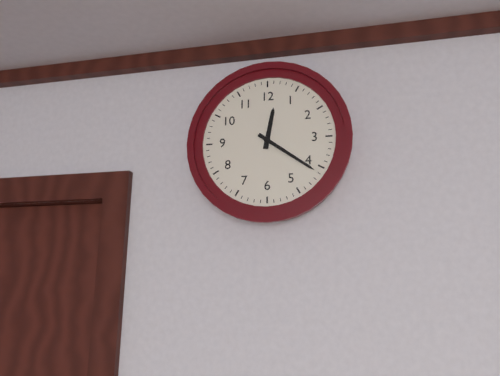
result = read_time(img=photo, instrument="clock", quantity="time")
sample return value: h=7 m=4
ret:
h=12 m=21
